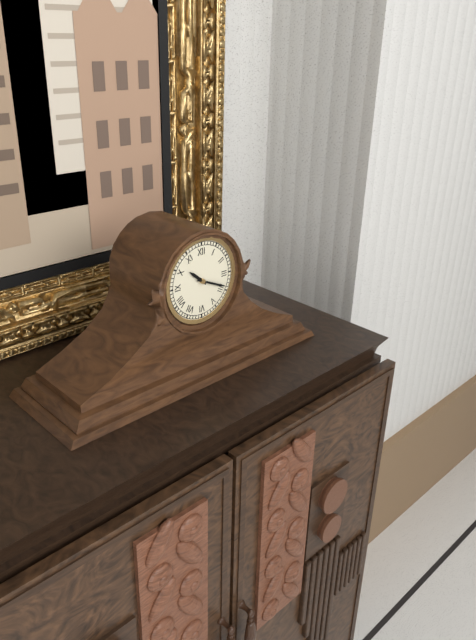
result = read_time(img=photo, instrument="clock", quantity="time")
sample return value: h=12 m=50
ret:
h=10 m=19
